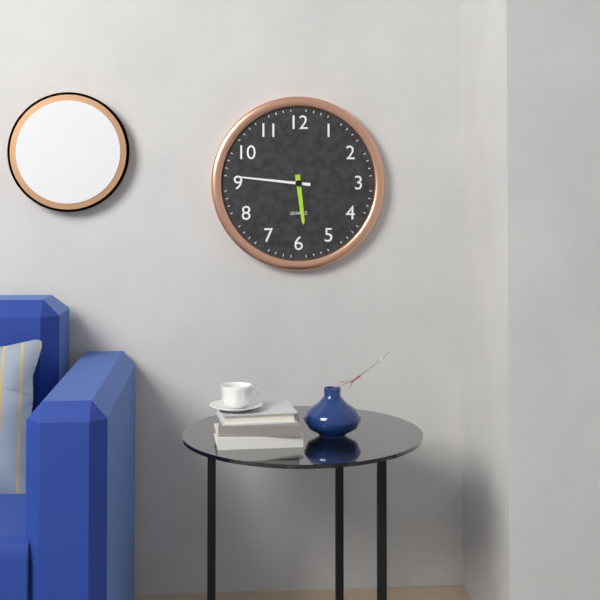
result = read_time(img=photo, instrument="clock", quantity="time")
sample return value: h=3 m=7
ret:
h=5 m=46
